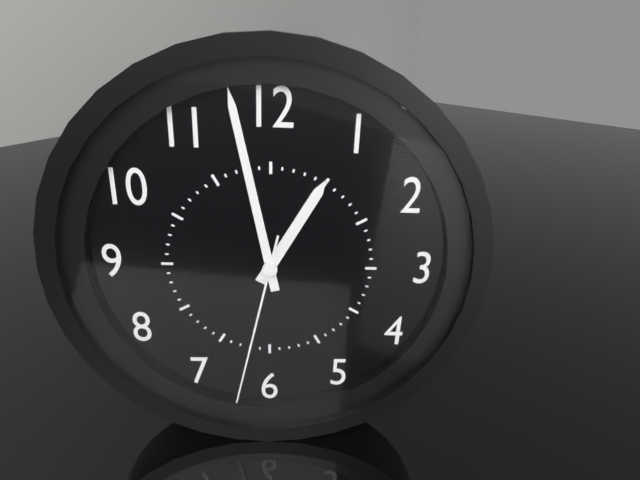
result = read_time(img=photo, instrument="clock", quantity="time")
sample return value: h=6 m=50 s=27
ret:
h=12 m=58 s=32
